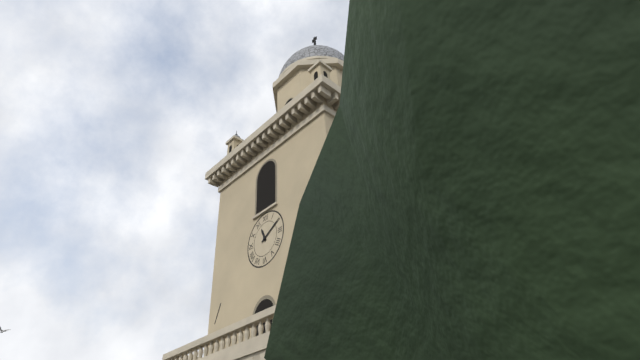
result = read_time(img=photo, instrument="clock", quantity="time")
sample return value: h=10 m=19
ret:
h=11 m=10
